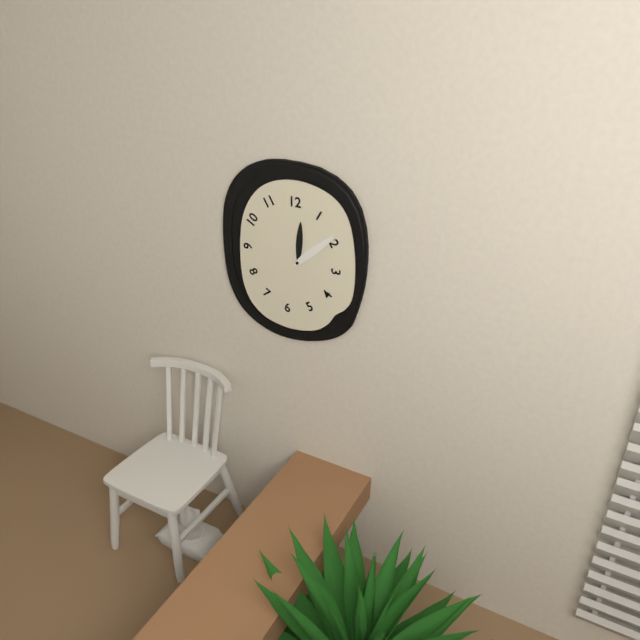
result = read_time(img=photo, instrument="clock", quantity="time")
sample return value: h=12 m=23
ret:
h=12 m=8
